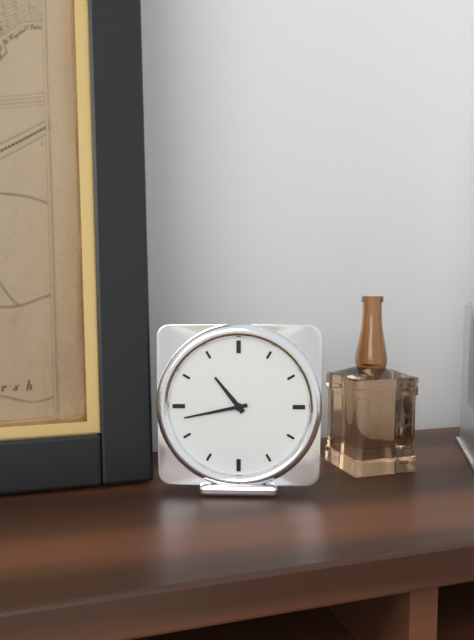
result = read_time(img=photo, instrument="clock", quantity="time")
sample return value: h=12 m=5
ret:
h=10 m=43
